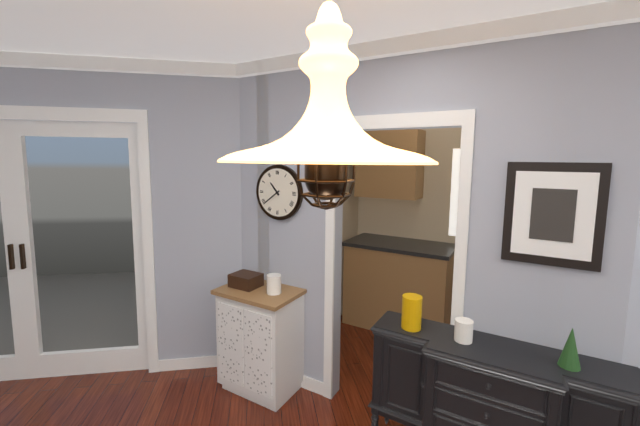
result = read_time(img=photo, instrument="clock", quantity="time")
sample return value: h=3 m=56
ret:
h=10 m=39
